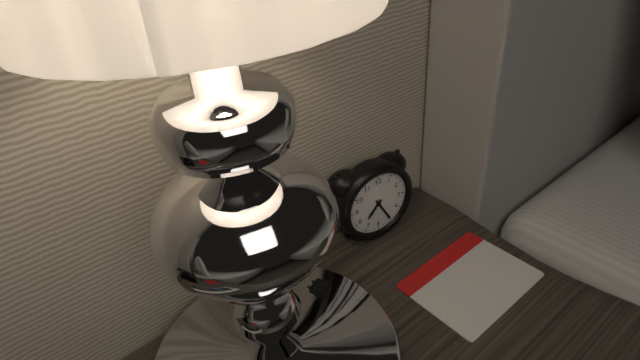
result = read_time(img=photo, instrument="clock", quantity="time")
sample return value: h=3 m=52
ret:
h=7 m=25
